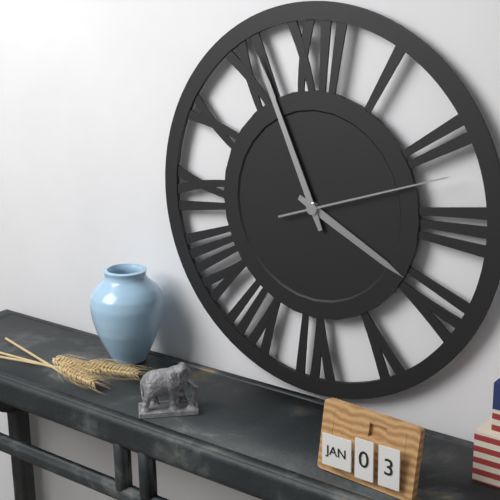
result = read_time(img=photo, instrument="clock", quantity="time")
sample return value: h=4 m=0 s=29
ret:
h=3 m=56 s=12
